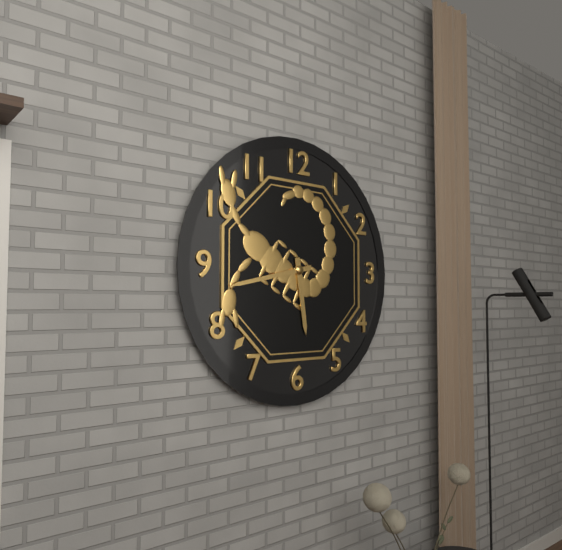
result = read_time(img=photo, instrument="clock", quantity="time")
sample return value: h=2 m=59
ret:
h=5 m=43
